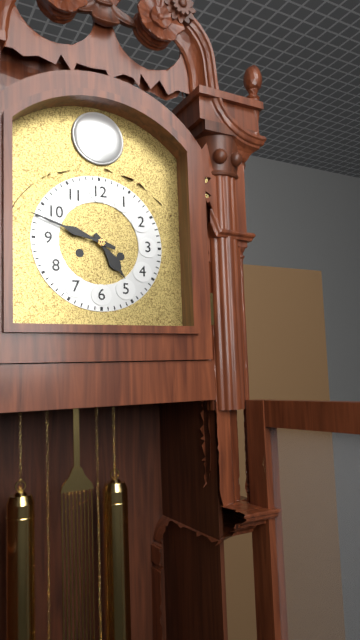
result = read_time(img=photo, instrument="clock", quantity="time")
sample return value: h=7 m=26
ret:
h=4 m=48
